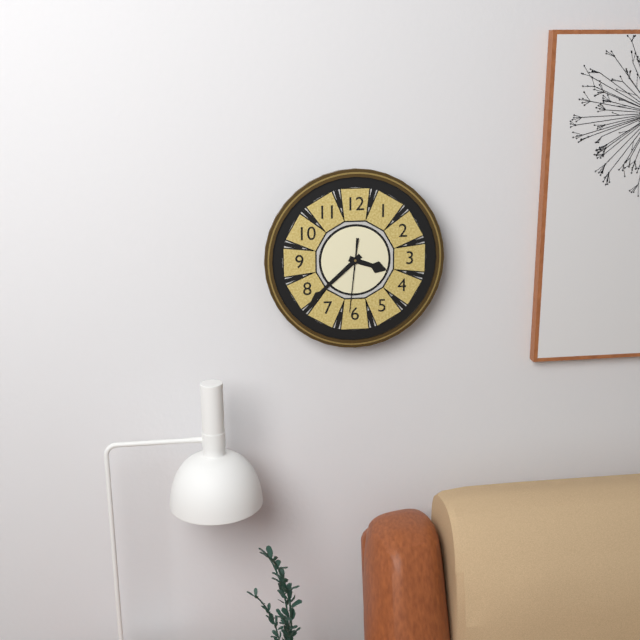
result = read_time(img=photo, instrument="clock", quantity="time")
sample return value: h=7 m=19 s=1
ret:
h=3 m=38 s=31
